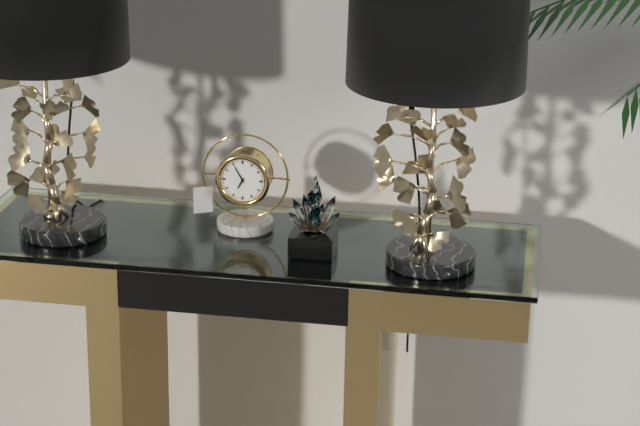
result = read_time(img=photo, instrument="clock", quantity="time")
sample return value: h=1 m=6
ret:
h=6 m=55
